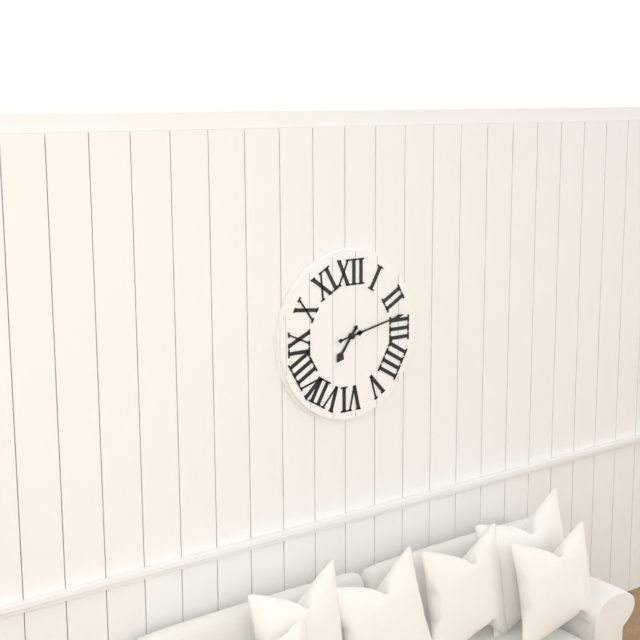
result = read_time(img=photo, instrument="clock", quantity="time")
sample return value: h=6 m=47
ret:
h=7 m=13
